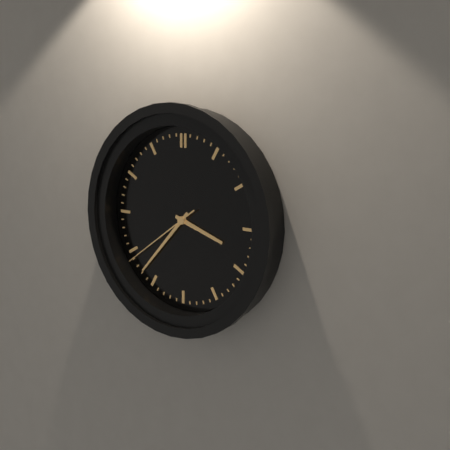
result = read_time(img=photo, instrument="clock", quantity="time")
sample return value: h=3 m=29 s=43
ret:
h=3 m=37 s=39
